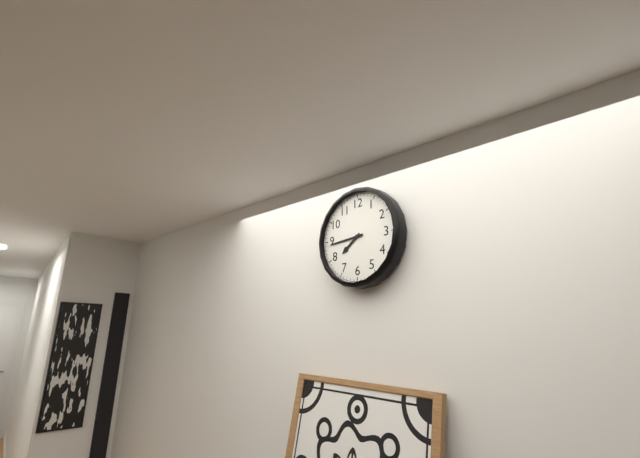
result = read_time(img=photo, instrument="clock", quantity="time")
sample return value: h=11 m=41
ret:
h=7 m=44
